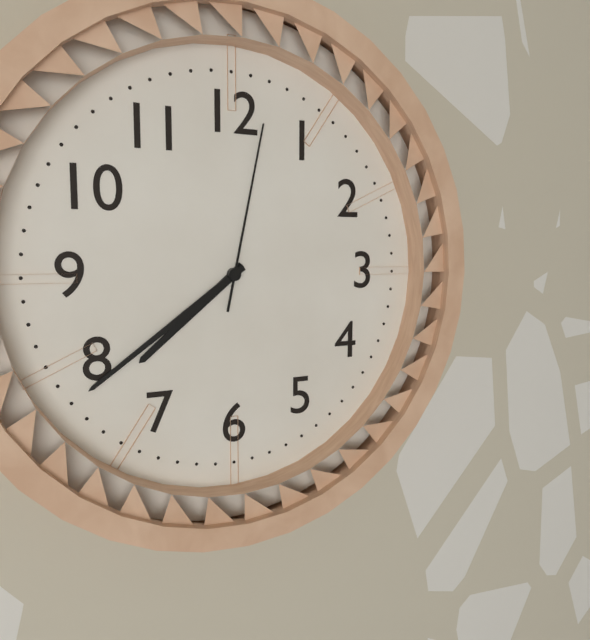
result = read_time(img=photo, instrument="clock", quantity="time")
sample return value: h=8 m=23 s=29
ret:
h=7 m=39 s=2
